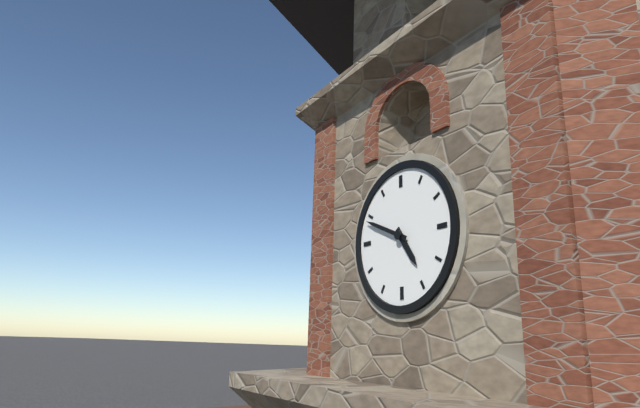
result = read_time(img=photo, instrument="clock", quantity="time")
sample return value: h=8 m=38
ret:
h=4 m=49
